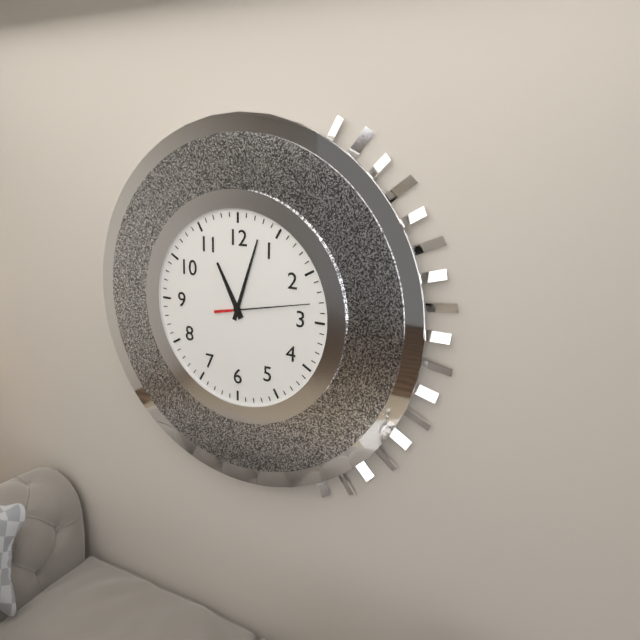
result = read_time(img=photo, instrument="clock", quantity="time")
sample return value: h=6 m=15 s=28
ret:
h=11 m=3 s=13
